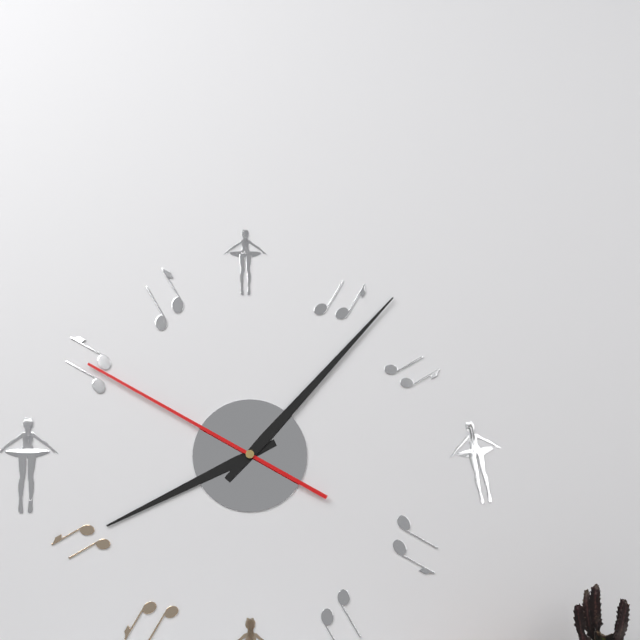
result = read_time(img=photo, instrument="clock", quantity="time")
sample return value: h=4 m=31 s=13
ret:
h=8 m=7 s=50
